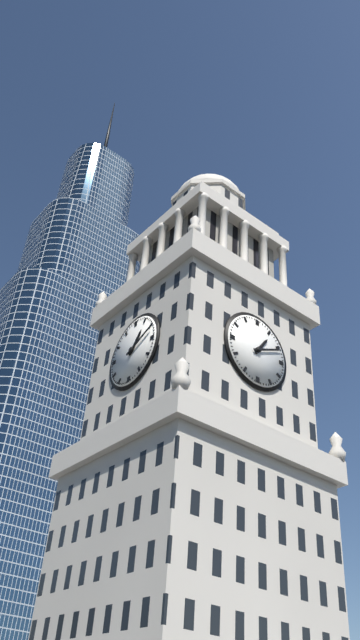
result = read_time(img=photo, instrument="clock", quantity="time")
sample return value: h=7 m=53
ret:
h=1 m=11
